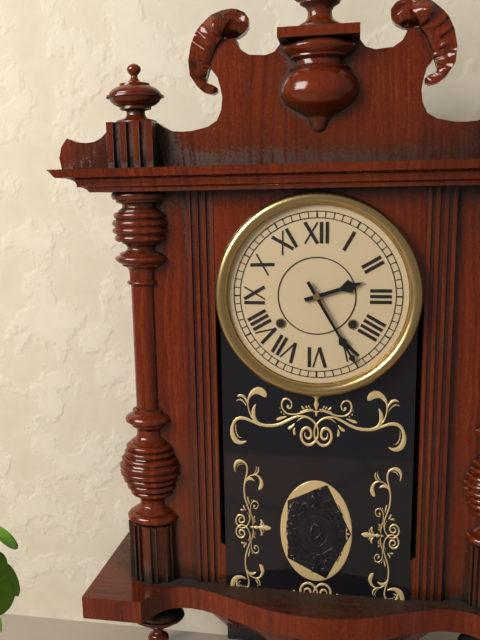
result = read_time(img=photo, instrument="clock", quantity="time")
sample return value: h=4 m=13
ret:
h=2 m=25
